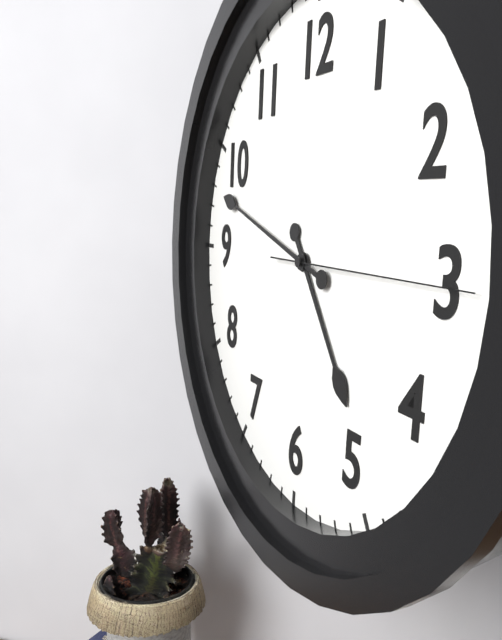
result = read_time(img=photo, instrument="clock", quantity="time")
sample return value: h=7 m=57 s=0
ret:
h=4 m=48 s=15
